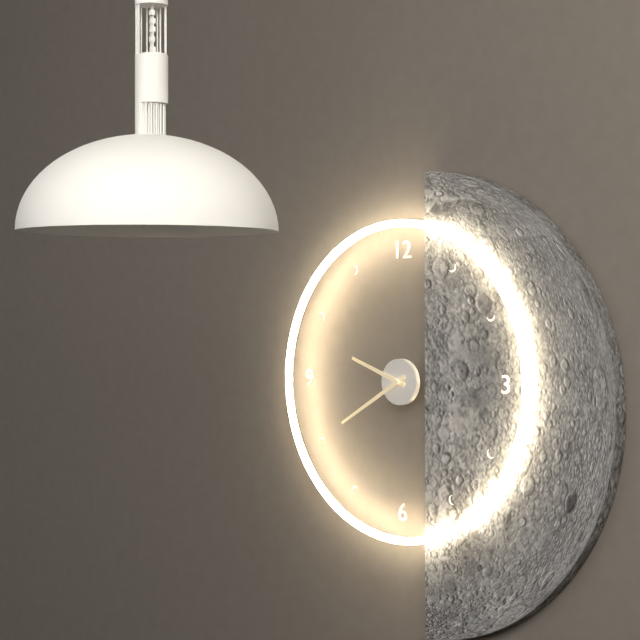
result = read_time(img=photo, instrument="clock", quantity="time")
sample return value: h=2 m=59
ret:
h=9 m=40
